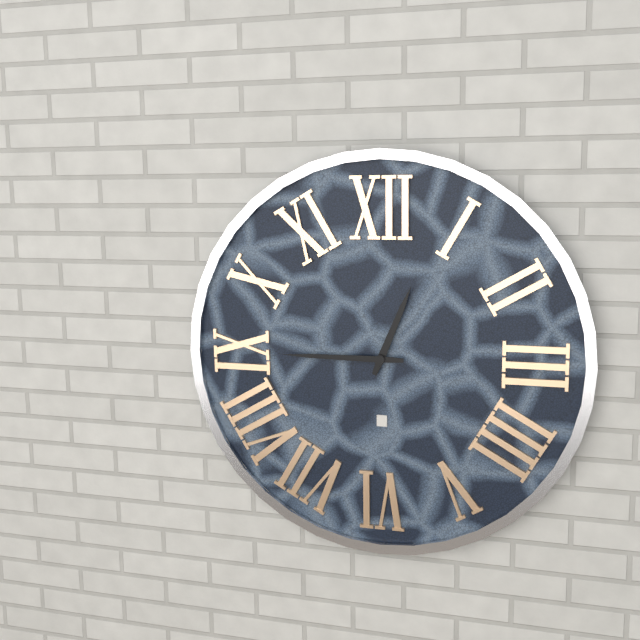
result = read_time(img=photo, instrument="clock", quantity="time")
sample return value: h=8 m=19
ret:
h=12 m=45
